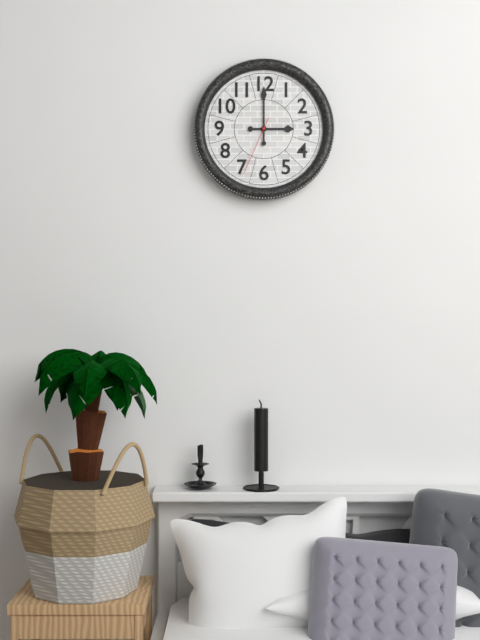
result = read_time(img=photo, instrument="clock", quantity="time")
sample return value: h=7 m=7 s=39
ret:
h=3 m=0 s=34
